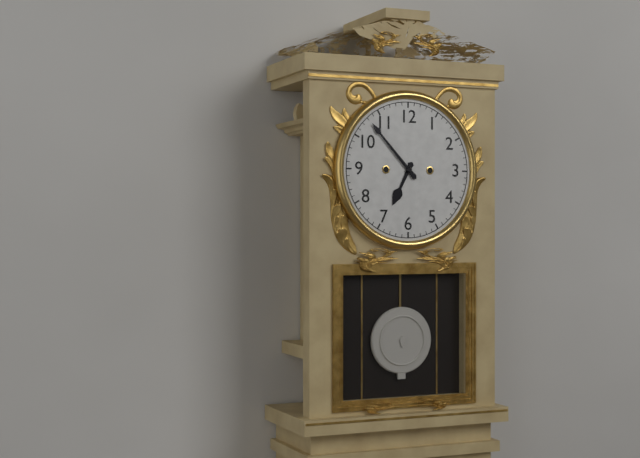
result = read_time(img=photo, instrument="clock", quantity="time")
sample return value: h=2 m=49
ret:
h=6 m=53
